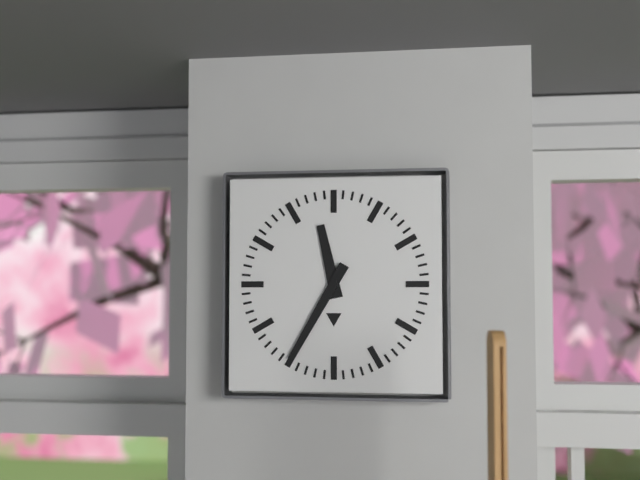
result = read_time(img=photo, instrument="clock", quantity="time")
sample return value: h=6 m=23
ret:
h=11 m=35
